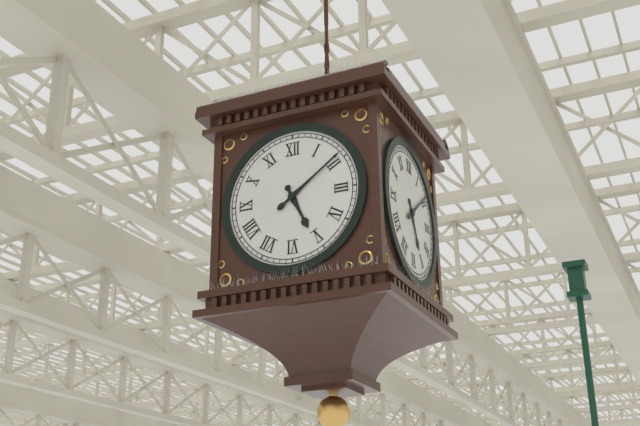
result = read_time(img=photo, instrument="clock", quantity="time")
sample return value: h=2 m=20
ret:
h=5 m=9
